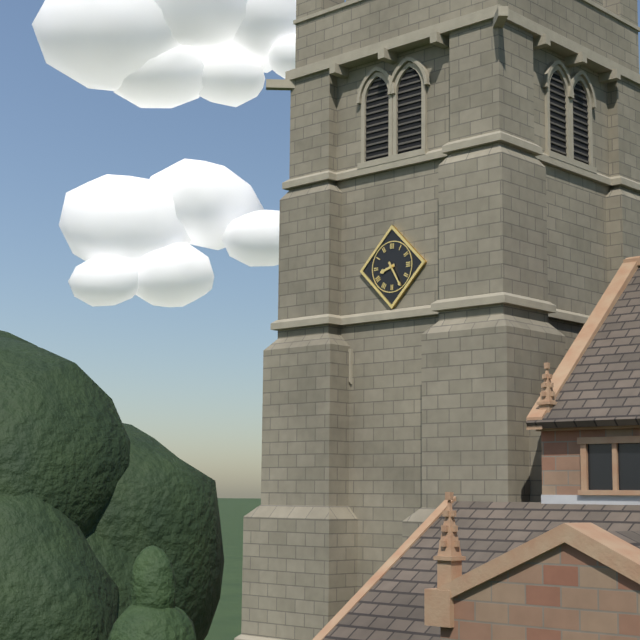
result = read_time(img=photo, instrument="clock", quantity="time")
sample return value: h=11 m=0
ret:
h=8 m=25
